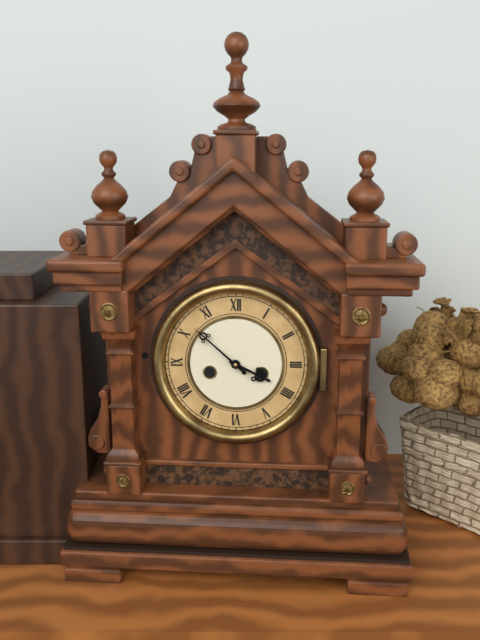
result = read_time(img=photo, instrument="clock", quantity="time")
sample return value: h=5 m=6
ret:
h=3 m=52
